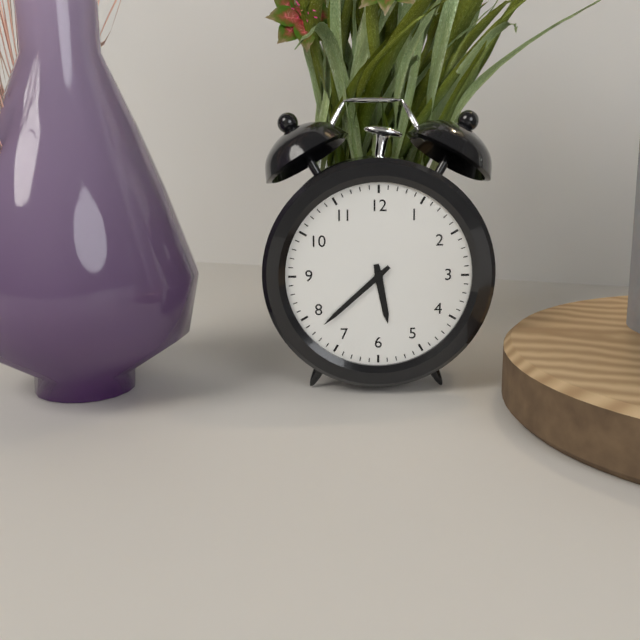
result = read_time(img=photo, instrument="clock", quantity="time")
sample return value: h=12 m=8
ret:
h=5 m=38
